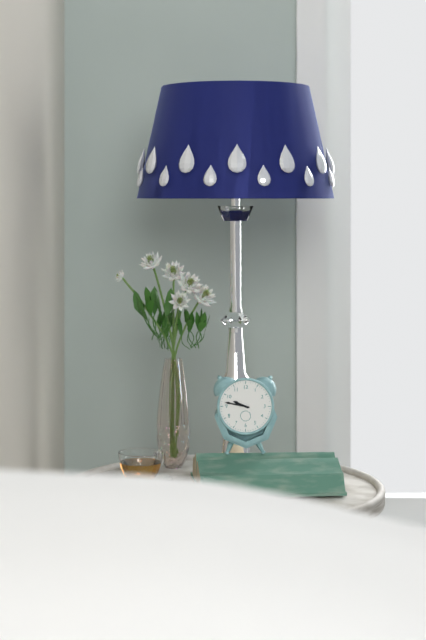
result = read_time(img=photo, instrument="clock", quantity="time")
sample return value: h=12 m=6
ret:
h=9 m=47
